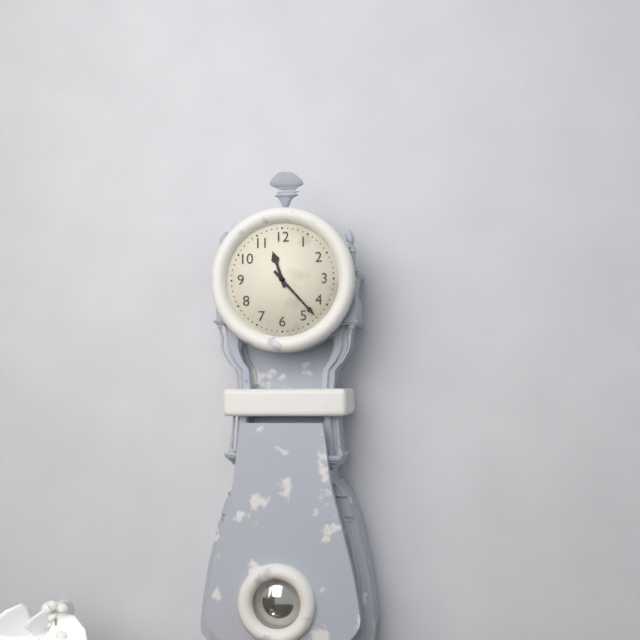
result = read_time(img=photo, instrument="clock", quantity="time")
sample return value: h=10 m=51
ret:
h=11 m=23
